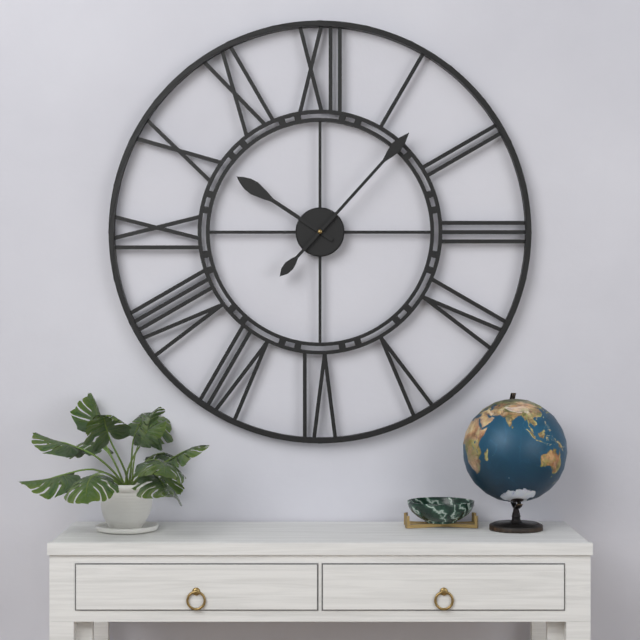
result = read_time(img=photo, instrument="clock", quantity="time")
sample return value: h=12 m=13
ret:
h=10 m=7
